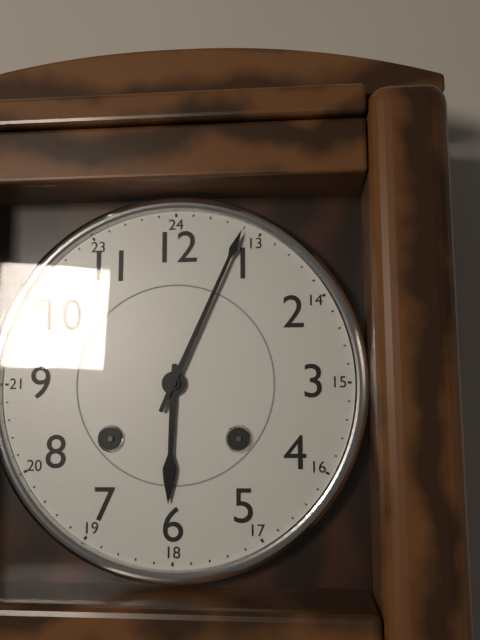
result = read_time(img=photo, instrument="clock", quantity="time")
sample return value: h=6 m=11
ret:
h=6 m=4
